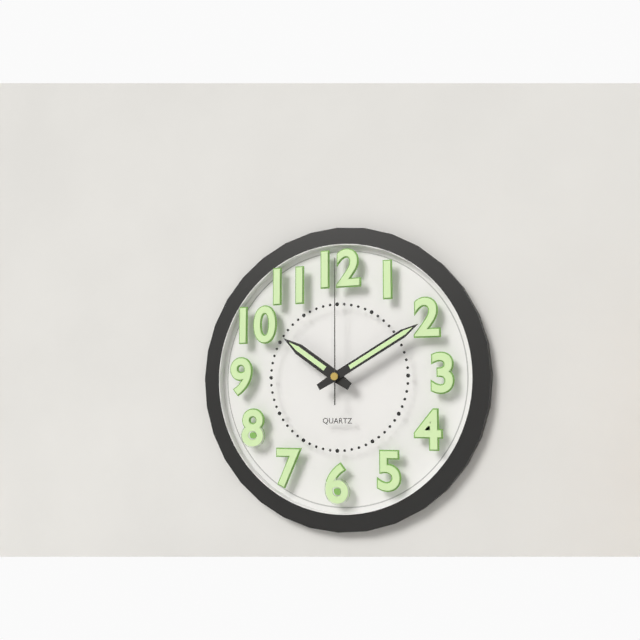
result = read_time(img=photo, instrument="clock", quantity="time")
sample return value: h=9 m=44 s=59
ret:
h=10 m=10 s=0
